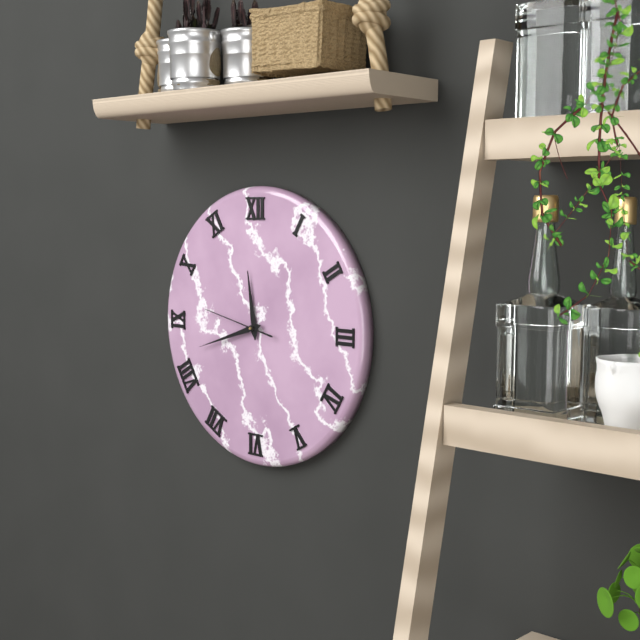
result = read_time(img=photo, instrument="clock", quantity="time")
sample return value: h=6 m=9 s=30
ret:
h=11 m=42 s=47
